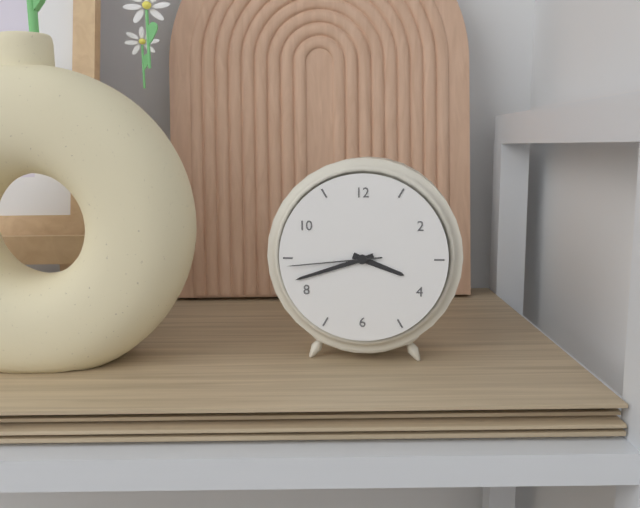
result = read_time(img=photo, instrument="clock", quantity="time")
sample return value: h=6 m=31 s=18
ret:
h=3 m=42 s=44
